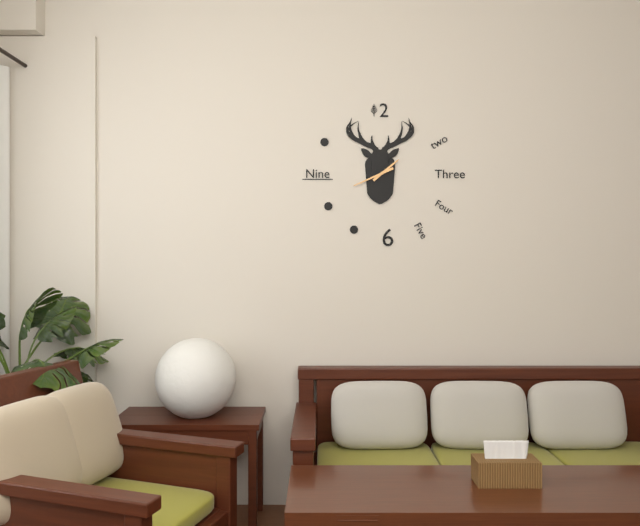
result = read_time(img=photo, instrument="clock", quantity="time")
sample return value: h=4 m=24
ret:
h=1 m=41
